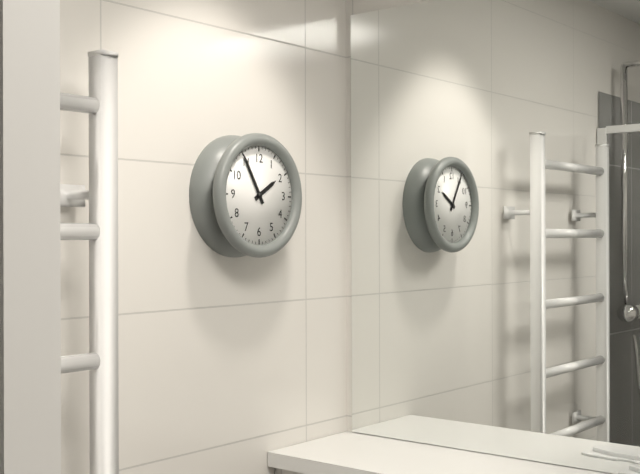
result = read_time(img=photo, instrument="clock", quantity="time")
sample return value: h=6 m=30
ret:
h=1 m=55
